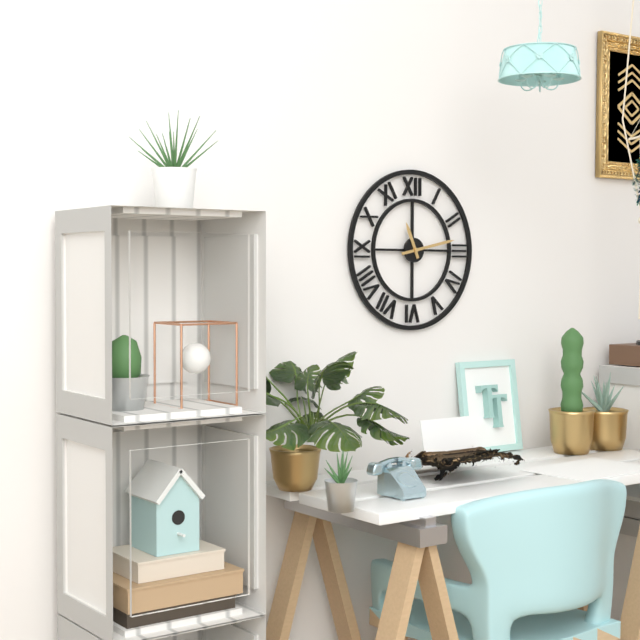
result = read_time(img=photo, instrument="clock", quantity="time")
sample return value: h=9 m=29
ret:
h=11 m=13
